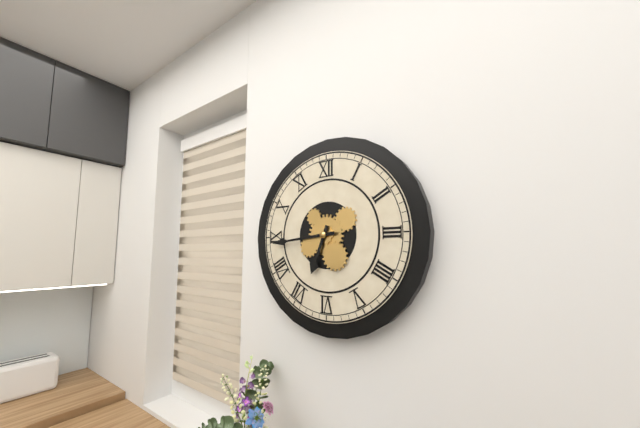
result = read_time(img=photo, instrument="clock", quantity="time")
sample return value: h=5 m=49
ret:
h=6 m=44
